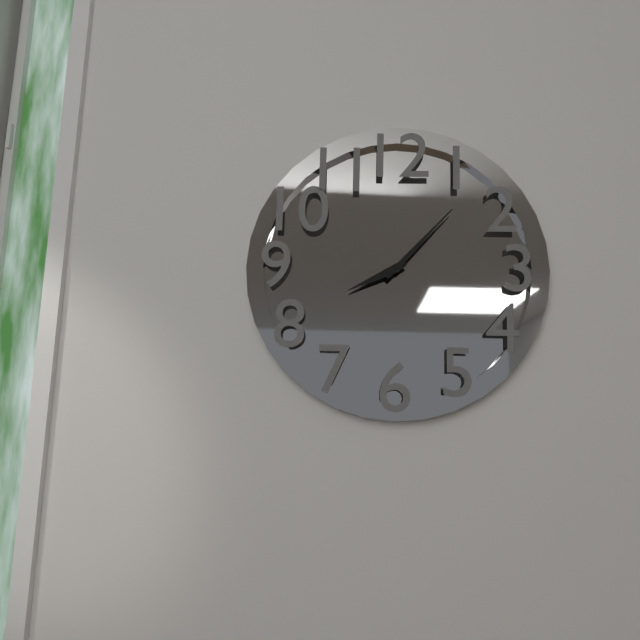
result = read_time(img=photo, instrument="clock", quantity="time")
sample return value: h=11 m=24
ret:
h=8 m=7
